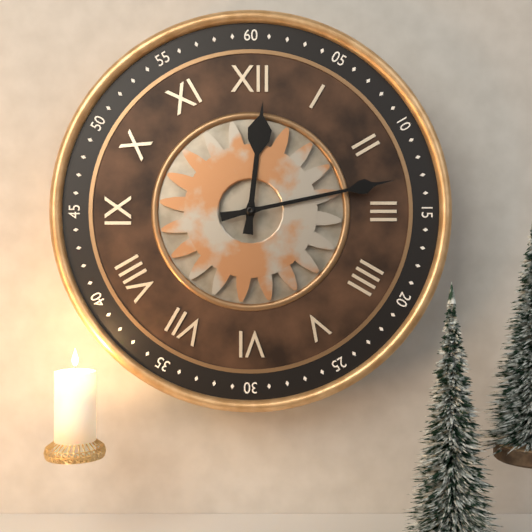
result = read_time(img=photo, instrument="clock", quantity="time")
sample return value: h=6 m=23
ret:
h=12 m=13
